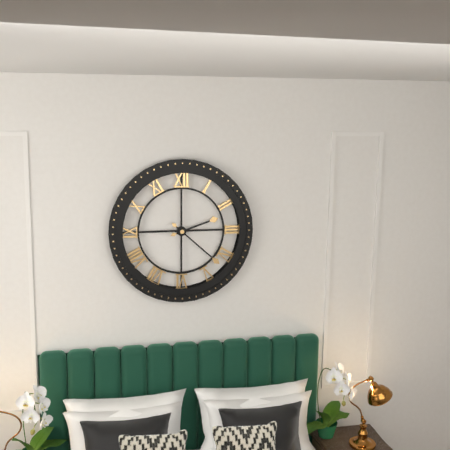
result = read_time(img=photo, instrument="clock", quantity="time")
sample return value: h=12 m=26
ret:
h=2 m=22
